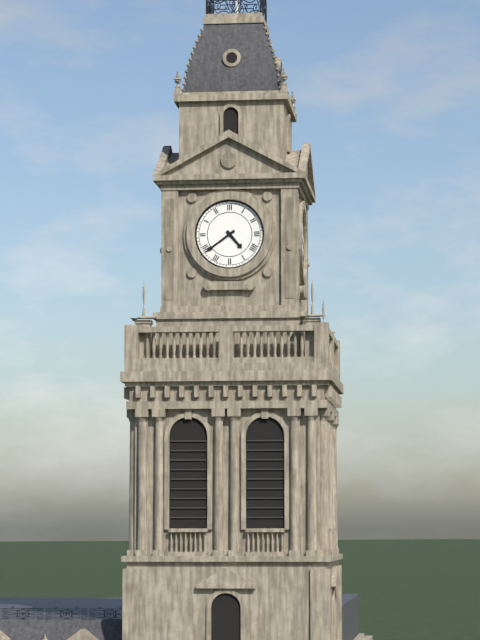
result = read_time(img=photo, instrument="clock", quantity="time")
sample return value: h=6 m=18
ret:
h=4 m=39
